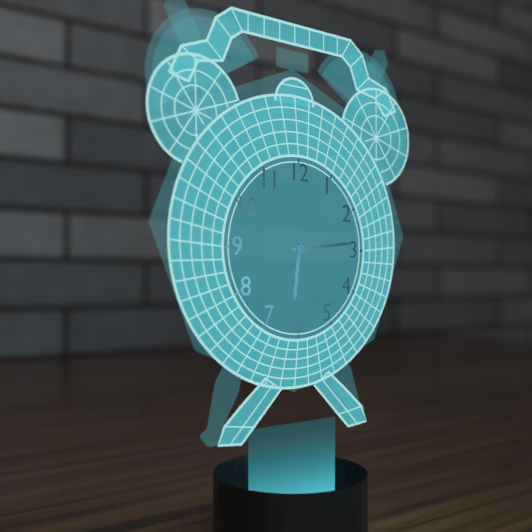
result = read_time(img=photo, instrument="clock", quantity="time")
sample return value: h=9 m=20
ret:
h=6 m=14
